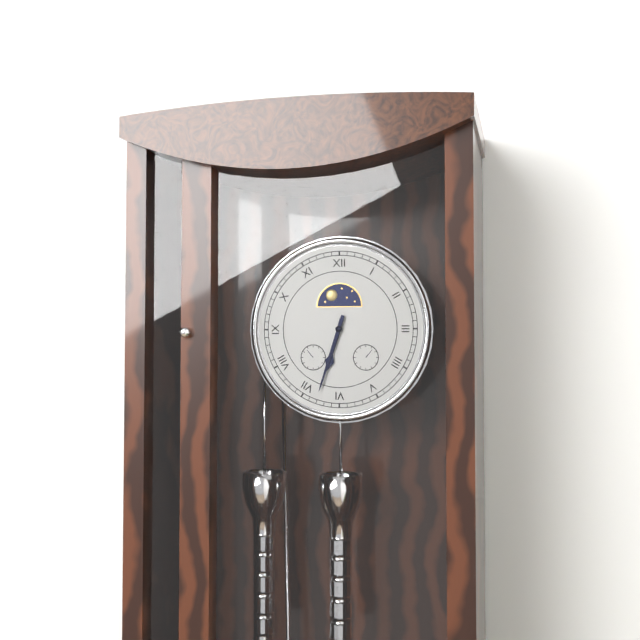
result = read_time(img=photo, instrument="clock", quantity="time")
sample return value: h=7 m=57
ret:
h=6 m=33
